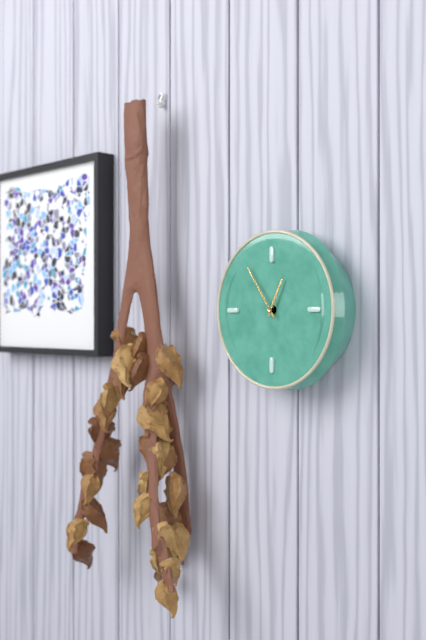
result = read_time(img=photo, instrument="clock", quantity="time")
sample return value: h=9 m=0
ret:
h=12 m=54
